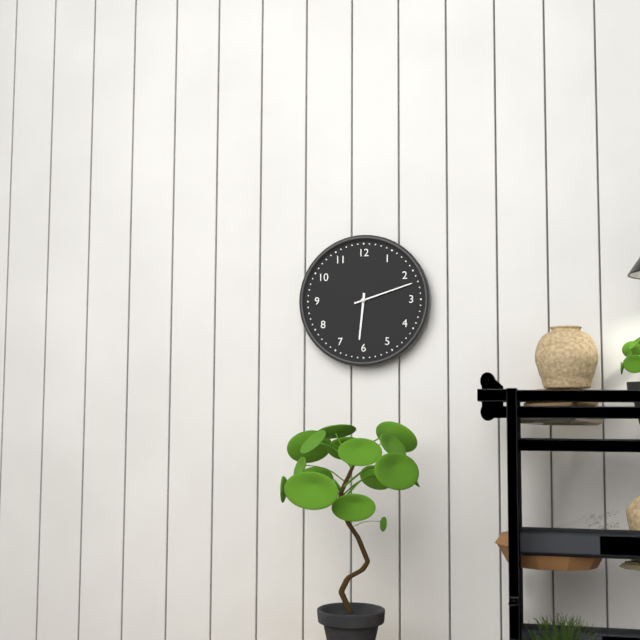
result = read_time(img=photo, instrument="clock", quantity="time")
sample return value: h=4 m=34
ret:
h=6 m=12
